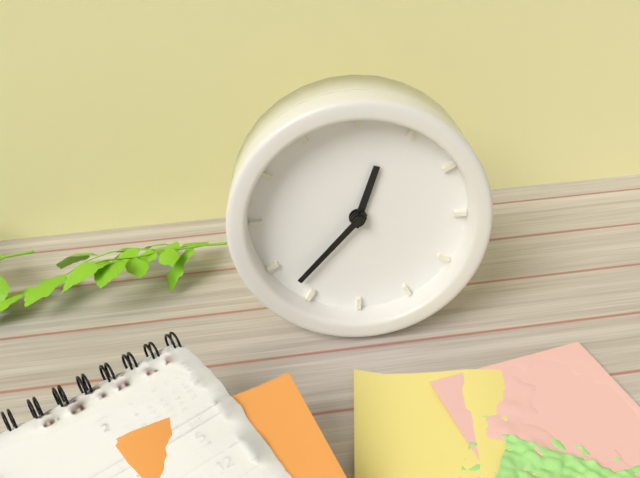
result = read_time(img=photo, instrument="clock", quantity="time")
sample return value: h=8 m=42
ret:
h=12 m=37
